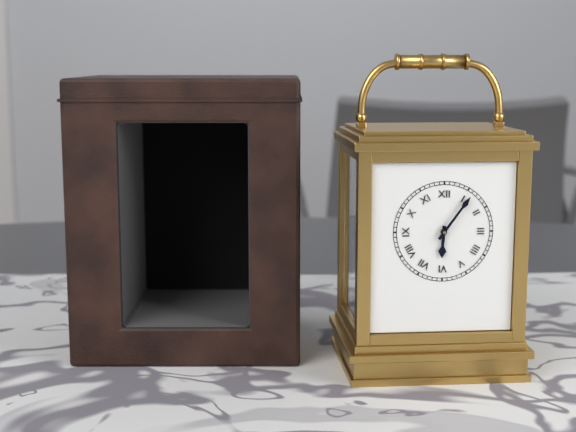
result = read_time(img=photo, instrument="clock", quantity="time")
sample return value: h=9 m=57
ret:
h=6 m=6
